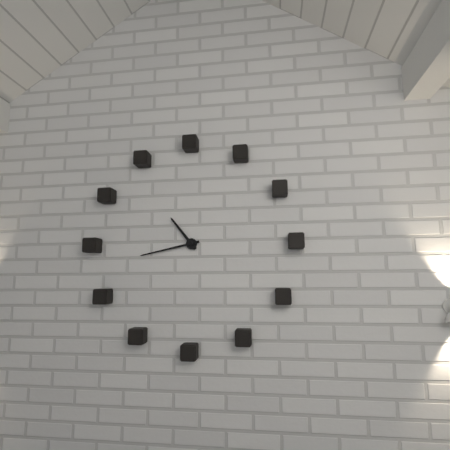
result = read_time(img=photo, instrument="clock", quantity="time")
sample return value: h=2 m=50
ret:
h=10 m=43
